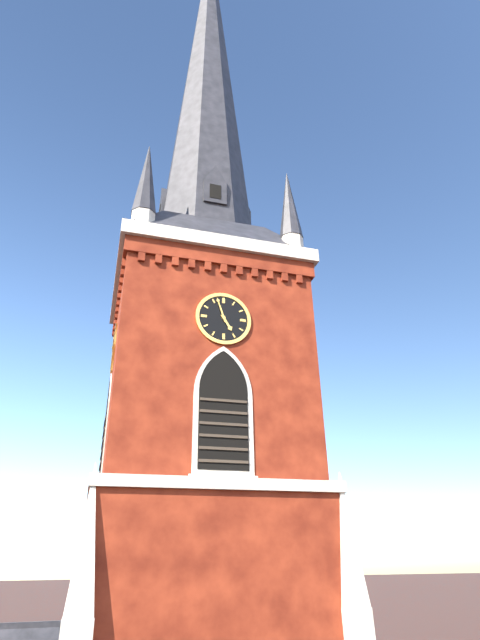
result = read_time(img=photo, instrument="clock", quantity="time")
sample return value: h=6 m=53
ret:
h=4 m=57
